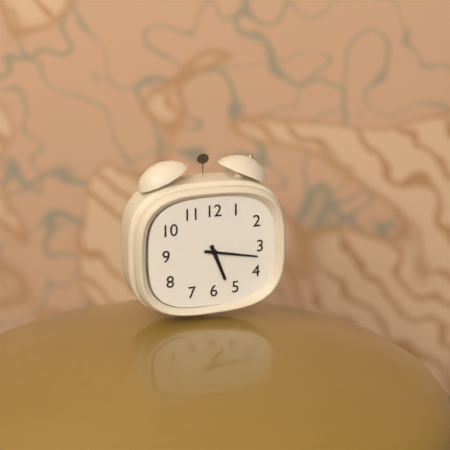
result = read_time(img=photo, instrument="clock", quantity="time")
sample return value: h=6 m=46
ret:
h=5 m=17
